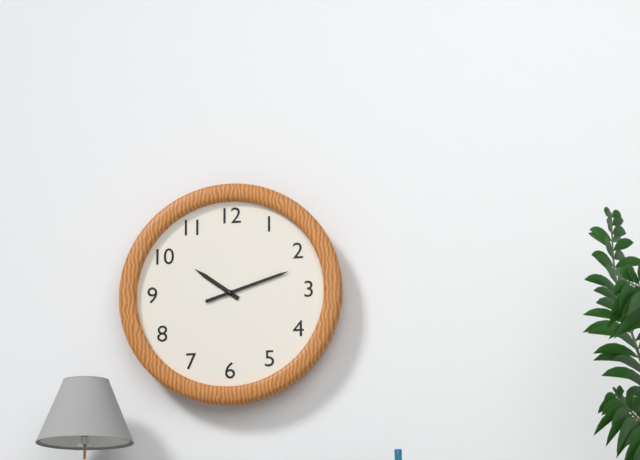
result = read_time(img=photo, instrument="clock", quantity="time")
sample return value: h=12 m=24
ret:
h=10 m=12
